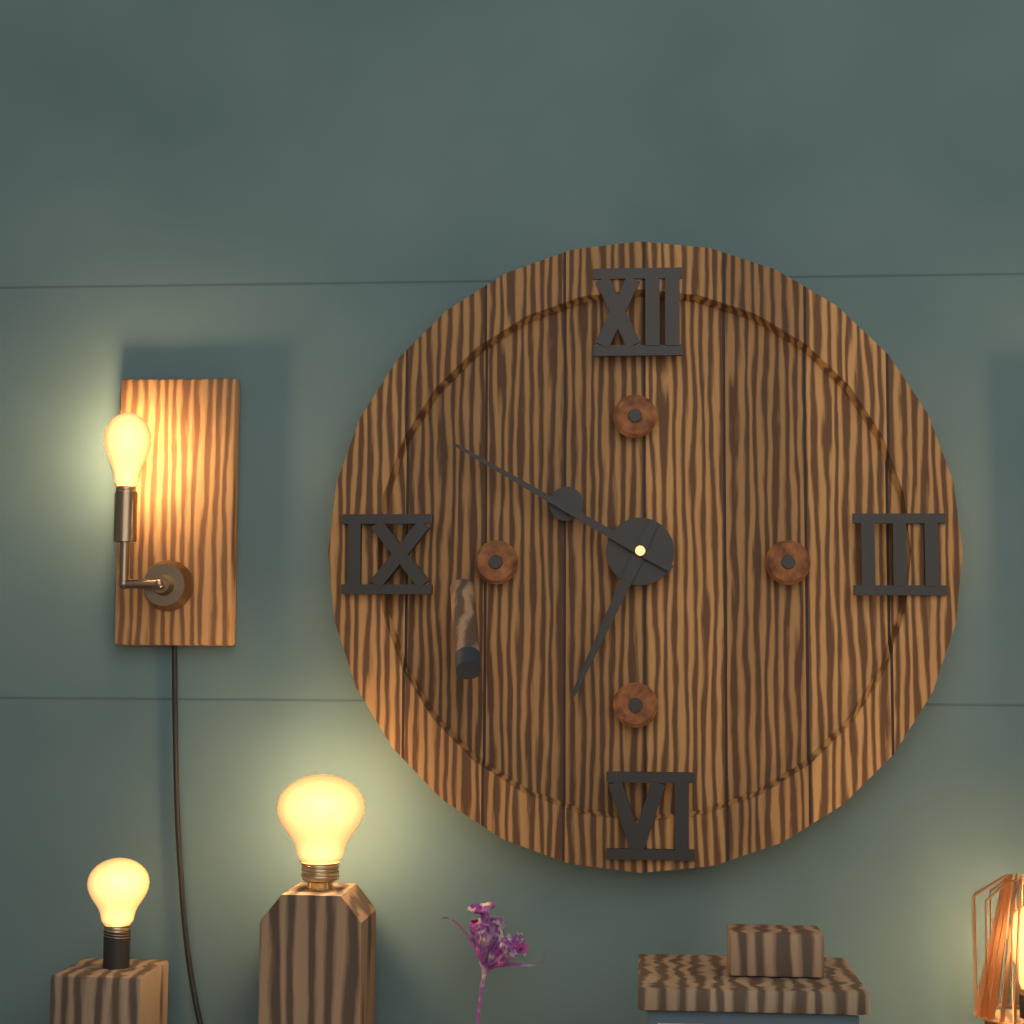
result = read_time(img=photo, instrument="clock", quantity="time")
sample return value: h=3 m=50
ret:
h=6 m=50
